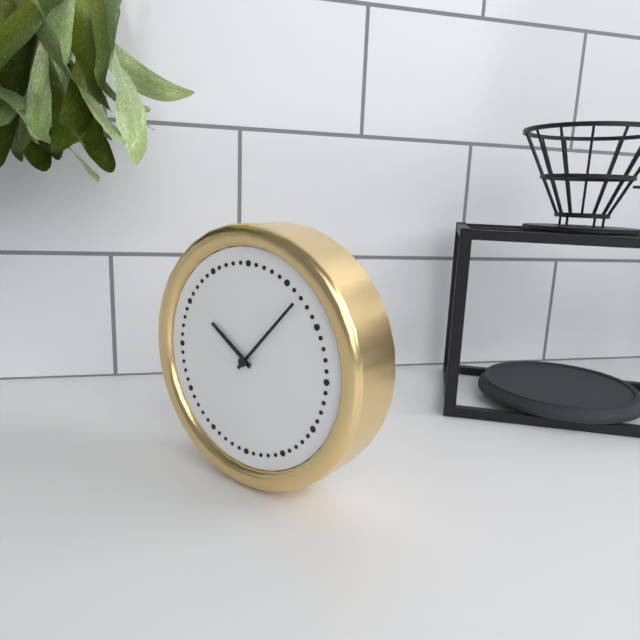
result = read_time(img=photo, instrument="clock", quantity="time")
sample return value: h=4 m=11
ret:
h=10 m=7
